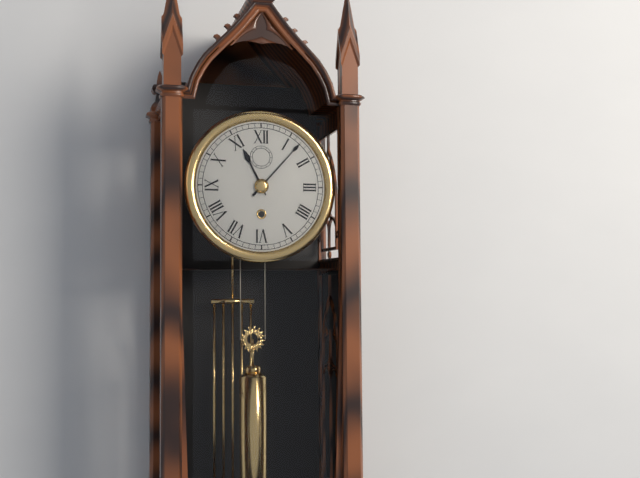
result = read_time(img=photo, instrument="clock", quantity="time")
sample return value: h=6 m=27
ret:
h=11 m=7
